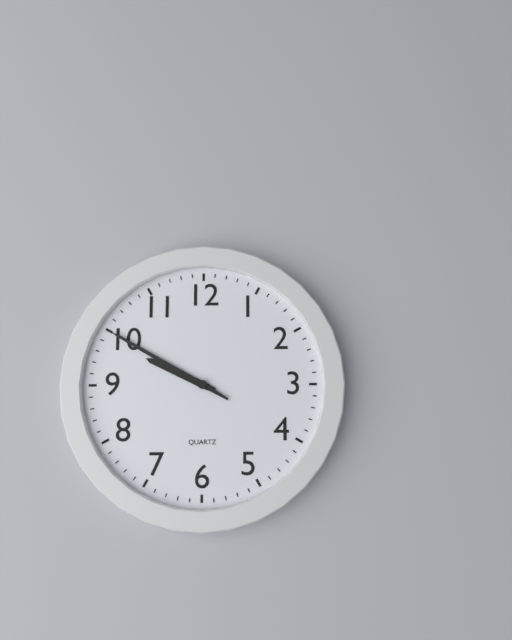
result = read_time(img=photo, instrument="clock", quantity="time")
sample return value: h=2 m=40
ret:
h=9 m=50
